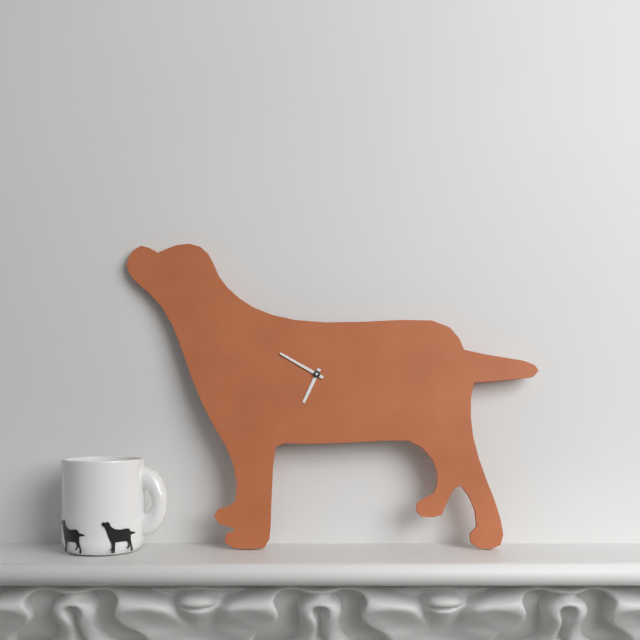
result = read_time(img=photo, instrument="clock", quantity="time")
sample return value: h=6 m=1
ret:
h=6 m=50
